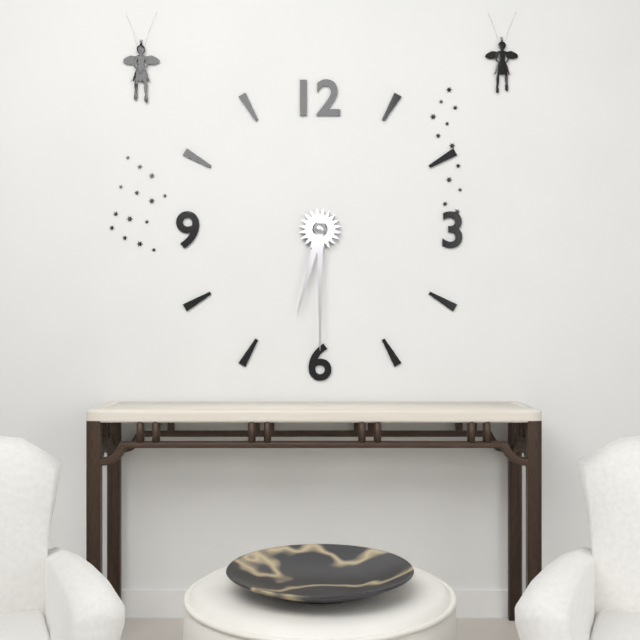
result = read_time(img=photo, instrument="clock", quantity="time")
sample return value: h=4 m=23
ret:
h=6 m=30
